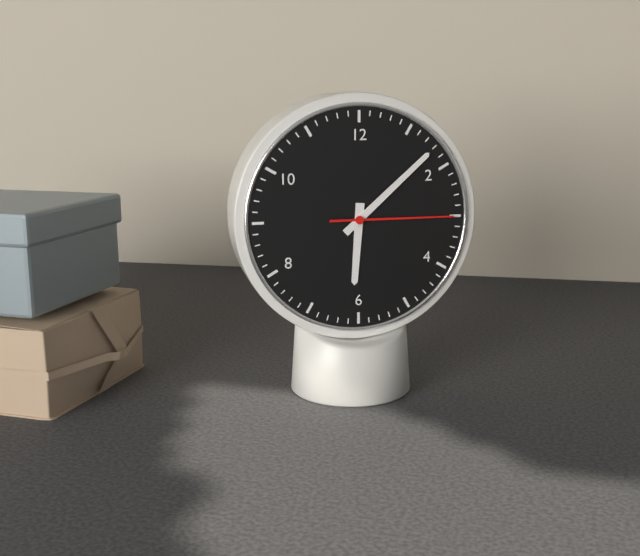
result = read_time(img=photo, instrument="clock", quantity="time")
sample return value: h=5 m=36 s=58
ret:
h=6 m=8 s=15
